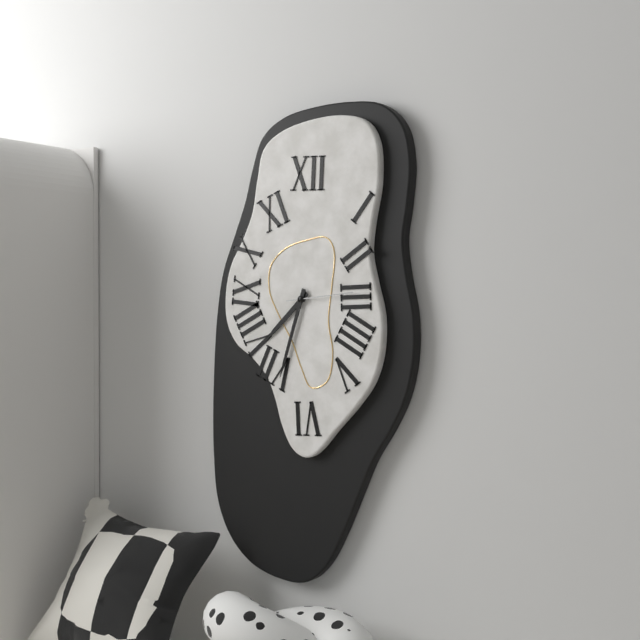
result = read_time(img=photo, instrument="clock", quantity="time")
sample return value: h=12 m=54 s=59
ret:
h=7 m=33 s=14
